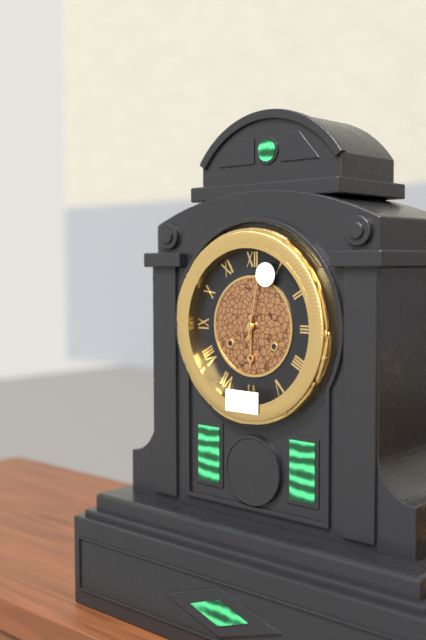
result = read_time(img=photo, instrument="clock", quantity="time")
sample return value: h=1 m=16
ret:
h=6 m=2
